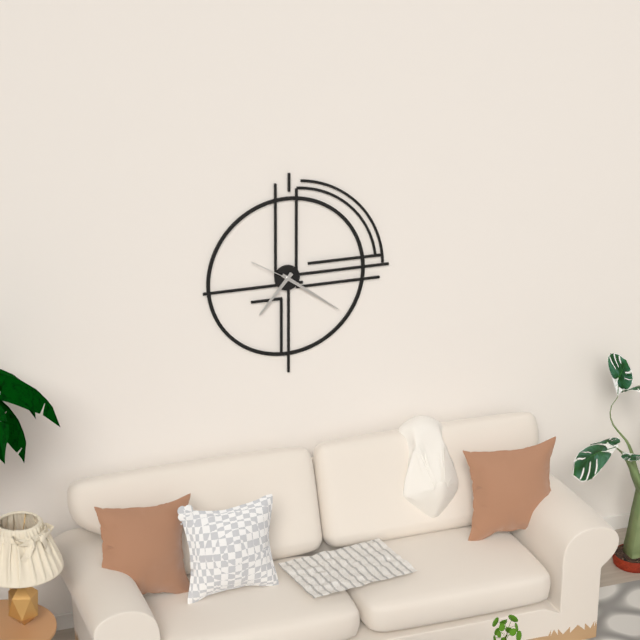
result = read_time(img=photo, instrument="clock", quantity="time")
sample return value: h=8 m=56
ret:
h=7 m=21
